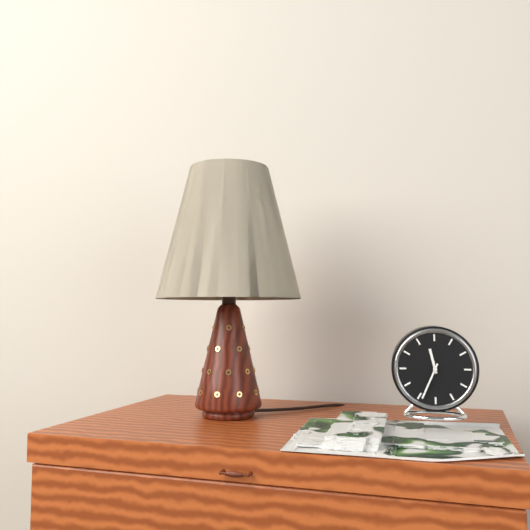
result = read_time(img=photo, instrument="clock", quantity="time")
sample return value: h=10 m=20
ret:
h=11 m=34
